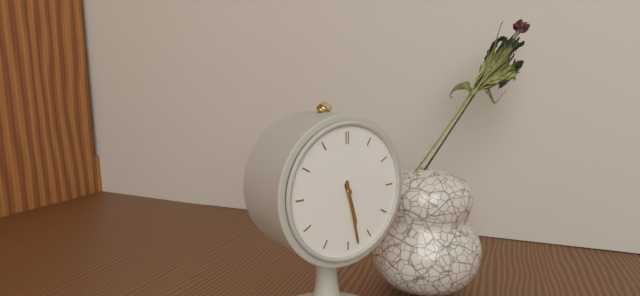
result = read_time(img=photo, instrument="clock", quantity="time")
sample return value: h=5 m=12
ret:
h=5 m=28
